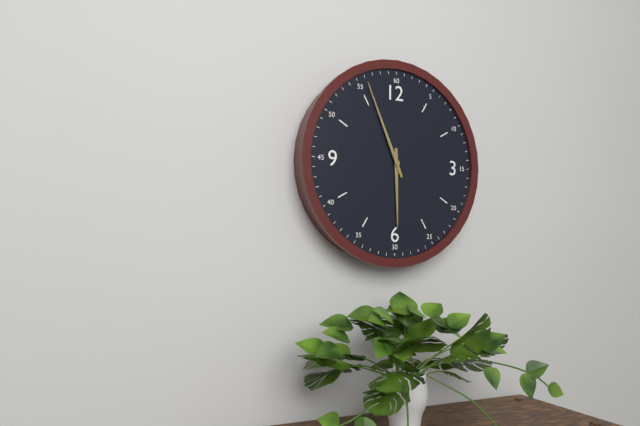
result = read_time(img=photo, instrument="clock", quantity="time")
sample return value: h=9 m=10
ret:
h=5 m=56
